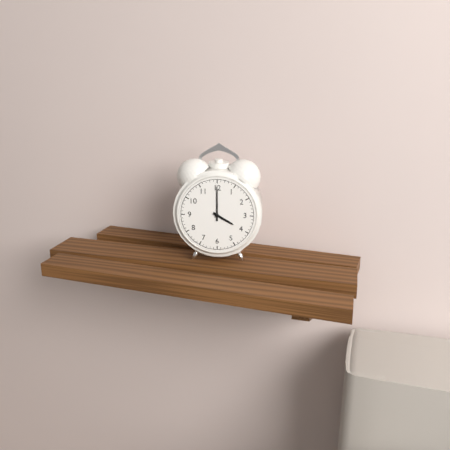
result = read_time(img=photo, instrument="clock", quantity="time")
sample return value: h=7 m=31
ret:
h=4 m=0
